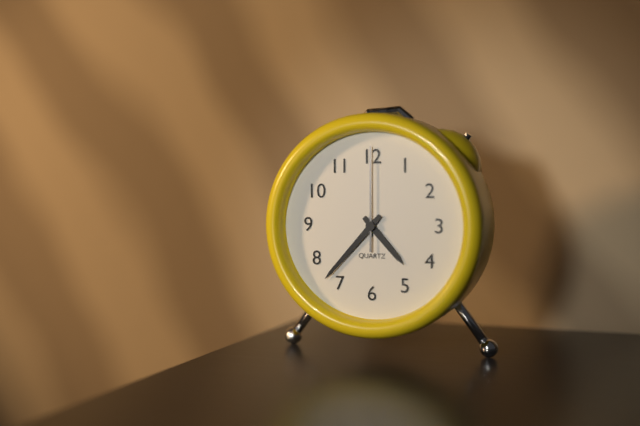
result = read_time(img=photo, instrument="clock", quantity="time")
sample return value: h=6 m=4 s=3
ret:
h=4 m=37 s=0
